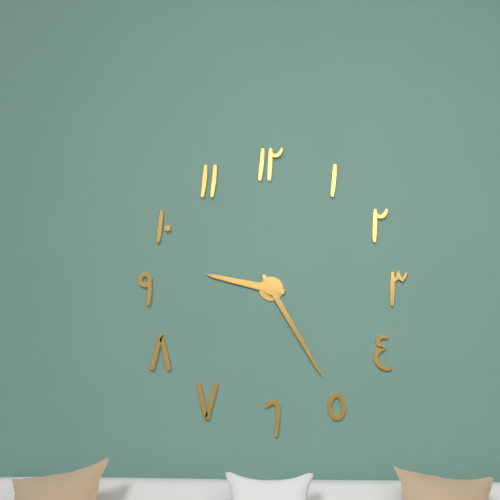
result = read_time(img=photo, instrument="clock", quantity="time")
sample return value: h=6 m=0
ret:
h=9 m=25
